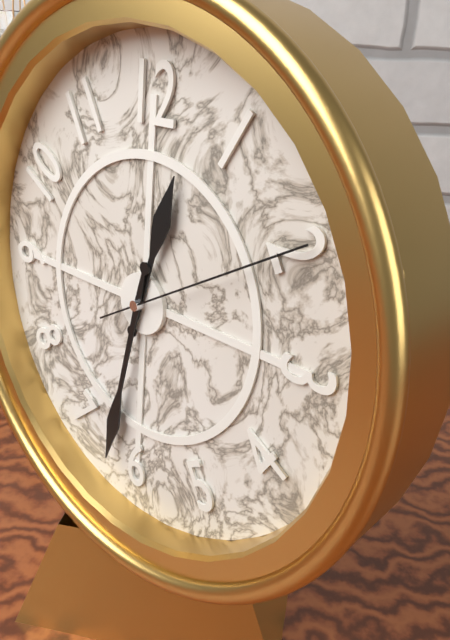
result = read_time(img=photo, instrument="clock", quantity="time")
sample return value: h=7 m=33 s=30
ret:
h=12 m=32 s=10
